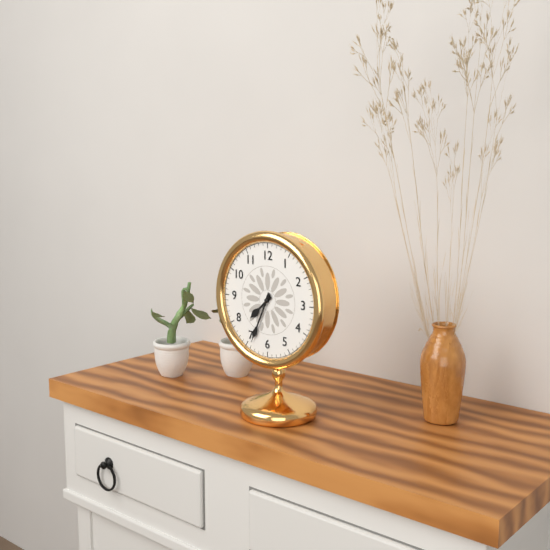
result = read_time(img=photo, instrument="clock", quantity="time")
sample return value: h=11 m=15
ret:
h=7 m=34
